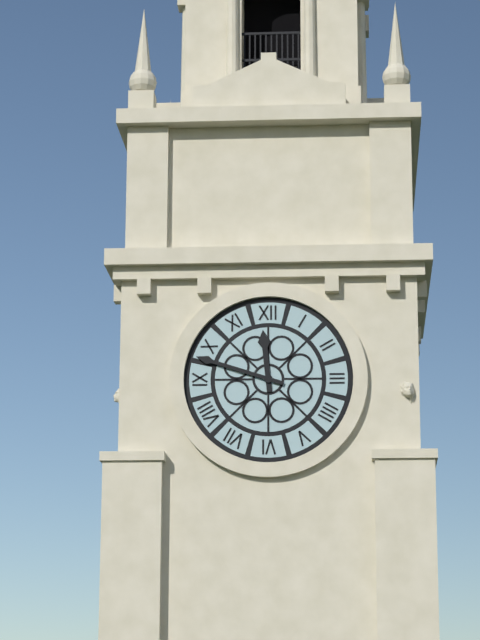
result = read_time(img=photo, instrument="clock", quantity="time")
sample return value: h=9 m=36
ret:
h=11 m=48
